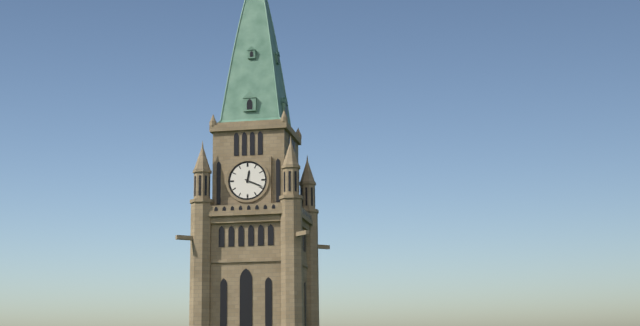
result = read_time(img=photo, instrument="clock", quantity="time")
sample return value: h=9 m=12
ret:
h=12 m=19
